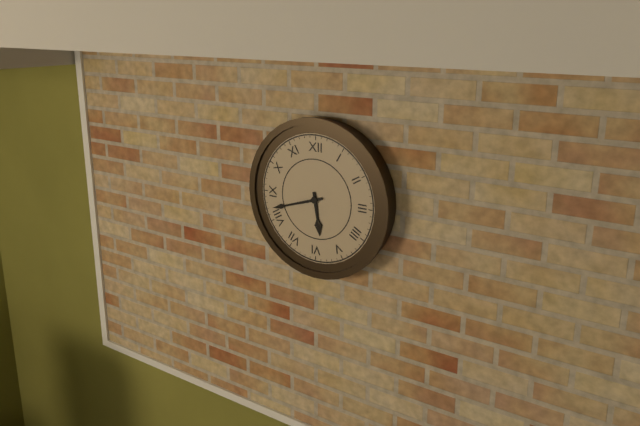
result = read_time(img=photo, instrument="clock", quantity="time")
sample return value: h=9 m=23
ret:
h=5 m=42
